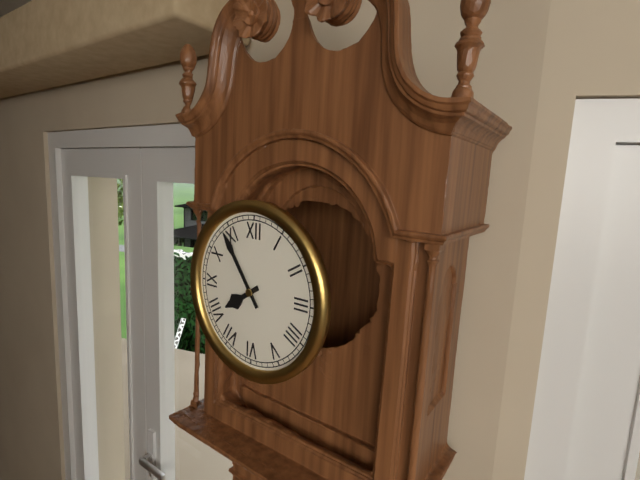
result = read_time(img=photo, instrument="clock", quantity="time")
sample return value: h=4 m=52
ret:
h=7 m=54
